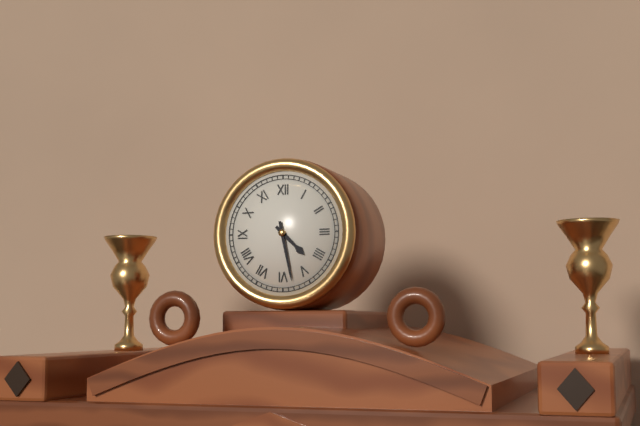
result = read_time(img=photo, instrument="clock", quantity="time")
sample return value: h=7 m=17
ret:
h=4 m=28
